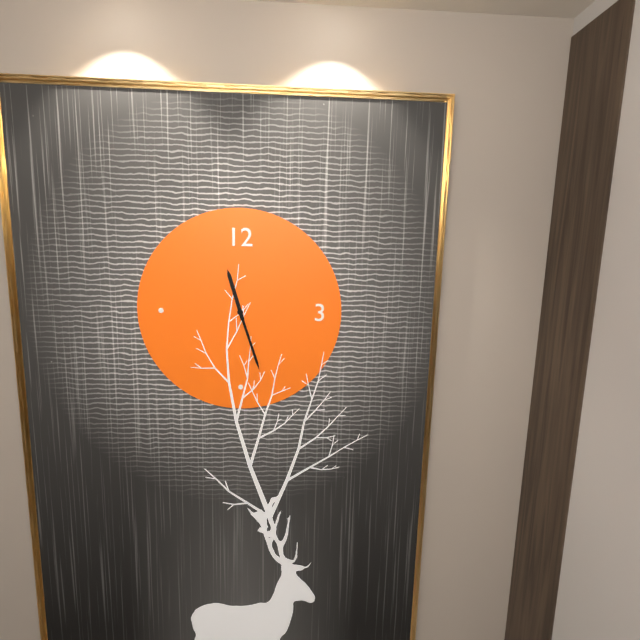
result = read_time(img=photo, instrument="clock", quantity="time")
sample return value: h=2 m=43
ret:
h=11 m=27
